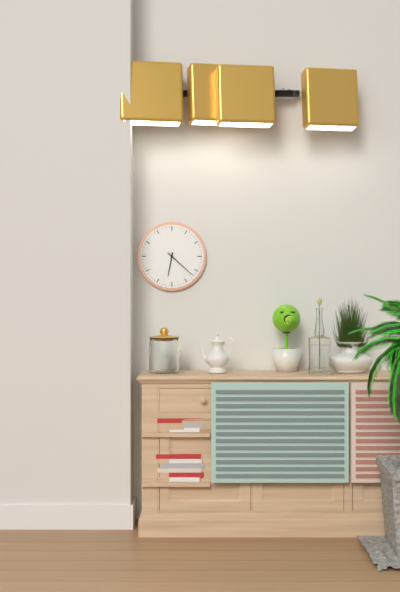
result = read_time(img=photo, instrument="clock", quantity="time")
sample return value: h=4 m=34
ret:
h=6 m=22
